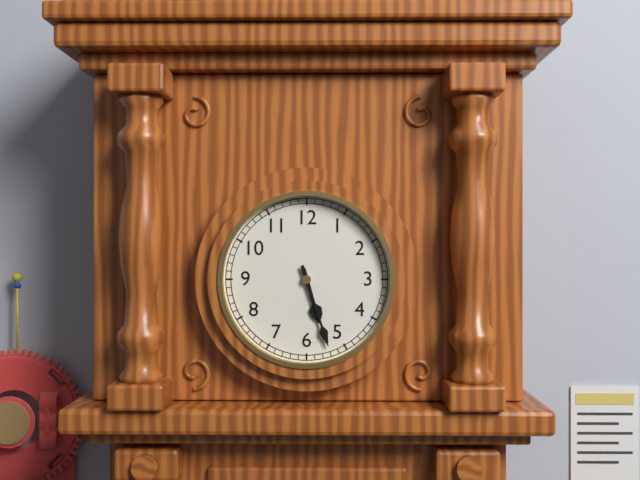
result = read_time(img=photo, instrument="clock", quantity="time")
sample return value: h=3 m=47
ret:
h=5 m=27
